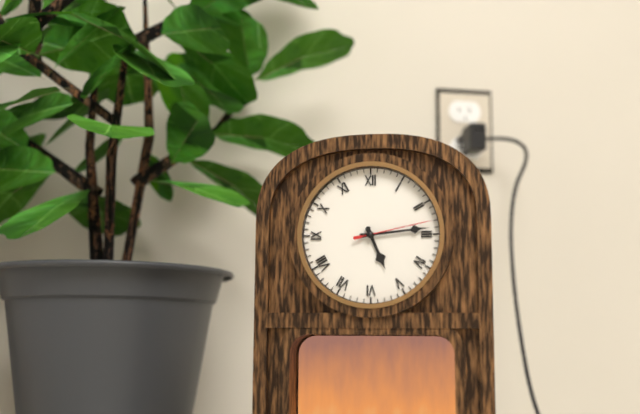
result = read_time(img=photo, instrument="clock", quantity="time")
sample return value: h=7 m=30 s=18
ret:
h=5 m=14 s=13
